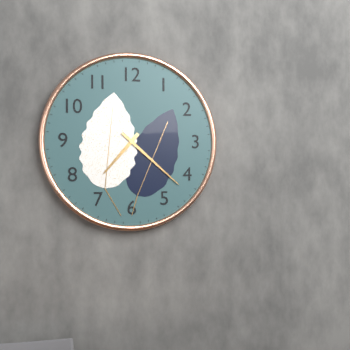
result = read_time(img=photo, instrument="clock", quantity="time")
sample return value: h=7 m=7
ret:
h=7 m=22
